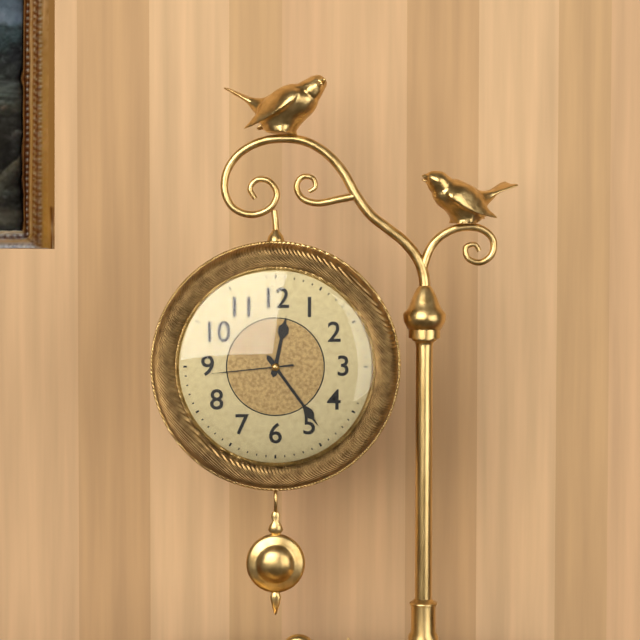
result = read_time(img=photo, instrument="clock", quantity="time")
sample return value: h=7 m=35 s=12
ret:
h=12 m=24 s=44
